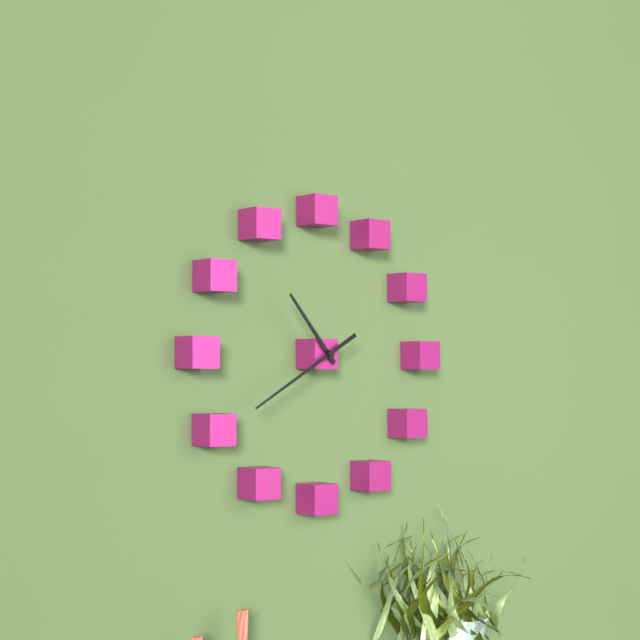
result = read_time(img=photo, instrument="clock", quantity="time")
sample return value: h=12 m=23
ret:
h=10 m=40
